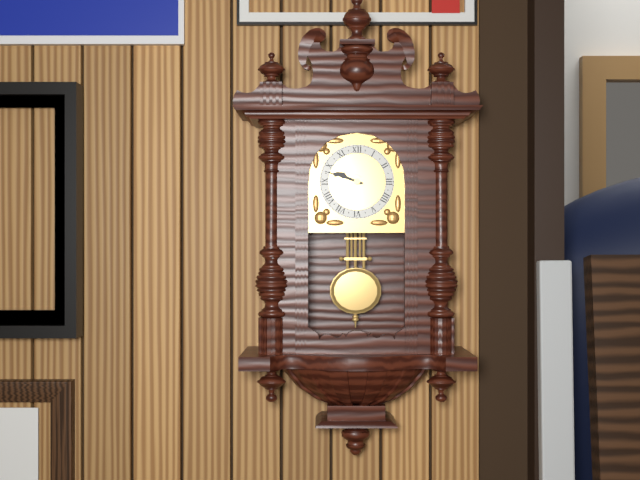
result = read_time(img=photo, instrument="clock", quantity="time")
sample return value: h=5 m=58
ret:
h=9 m=48
